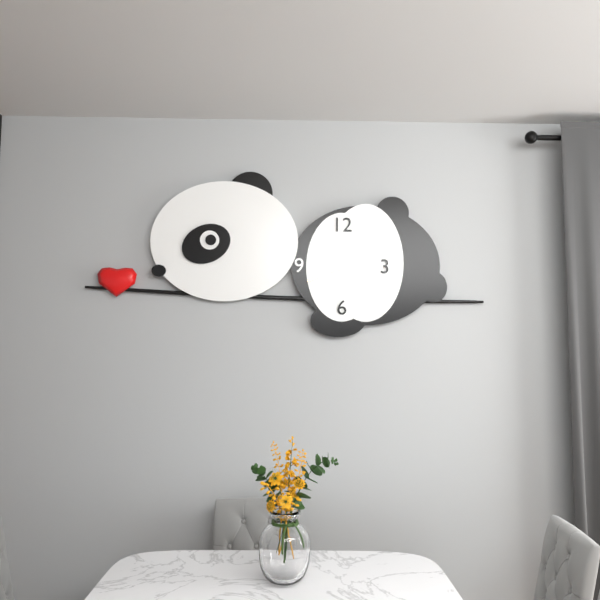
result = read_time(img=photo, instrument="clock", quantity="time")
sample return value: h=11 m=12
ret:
h=1 m=41
